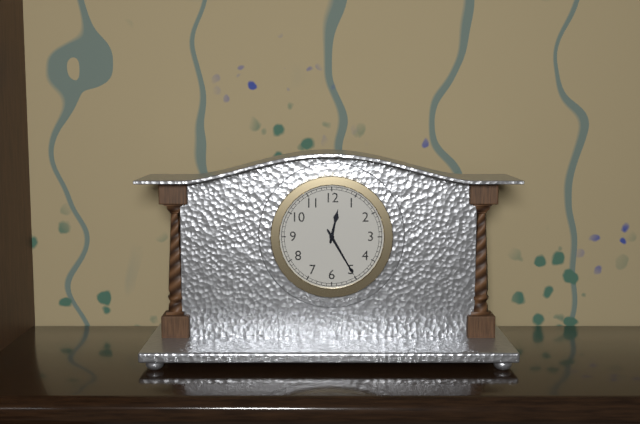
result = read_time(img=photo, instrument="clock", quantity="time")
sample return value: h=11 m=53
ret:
h=12 m=25
